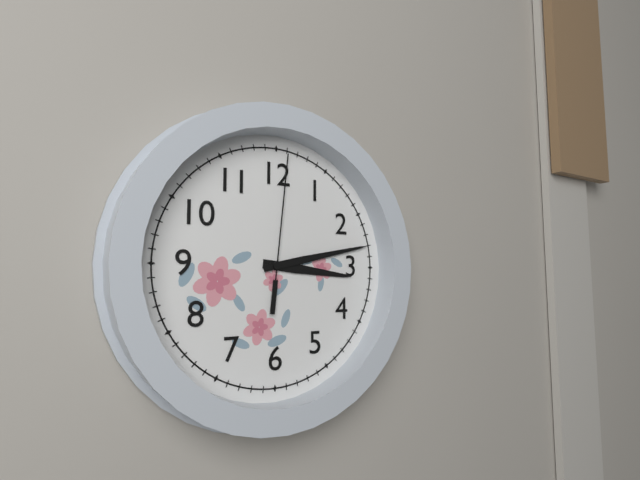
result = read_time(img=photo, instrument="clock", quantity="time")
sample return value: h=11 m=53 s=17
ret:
h=3 m=13 s=1
